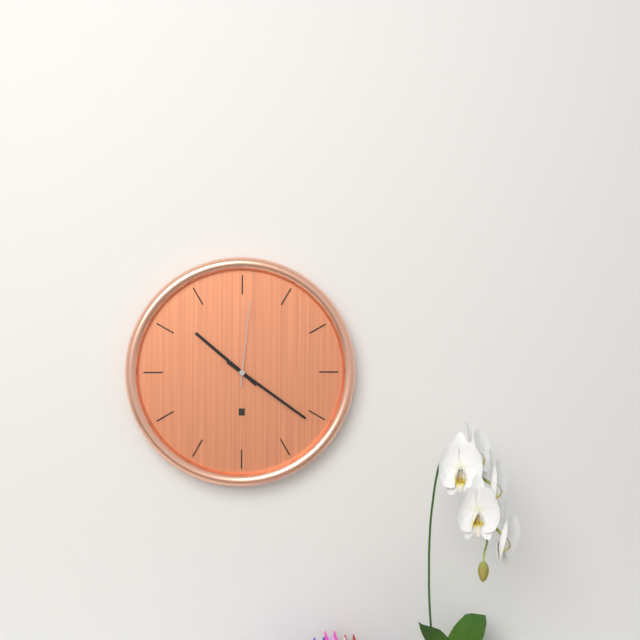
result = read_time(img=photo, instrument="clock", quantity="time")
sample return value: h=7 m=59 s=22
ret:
h=10 m=21 s=1
